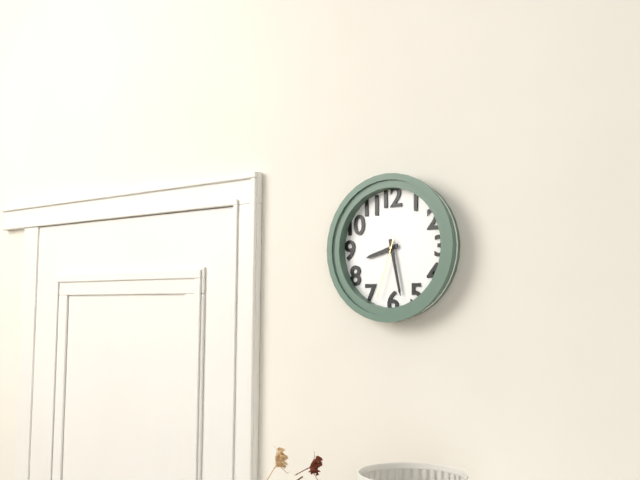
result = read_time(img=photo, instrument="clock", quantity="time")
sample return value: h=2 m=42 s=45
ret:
h=8 m=28 s=33
